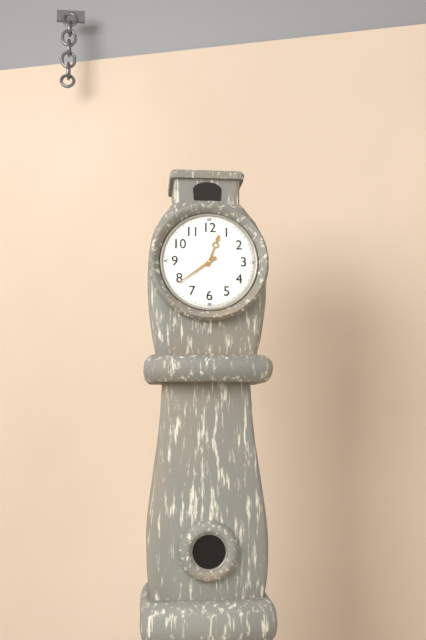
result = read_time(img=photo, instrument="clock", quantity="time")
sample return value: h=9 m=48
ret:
h=12 m=39
